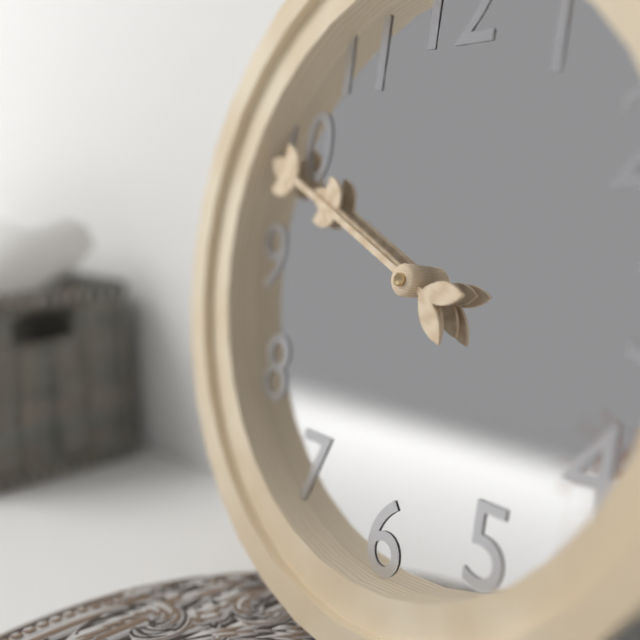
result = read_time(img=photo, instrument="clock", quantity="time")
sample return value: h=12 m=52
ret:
h=9 m=49
